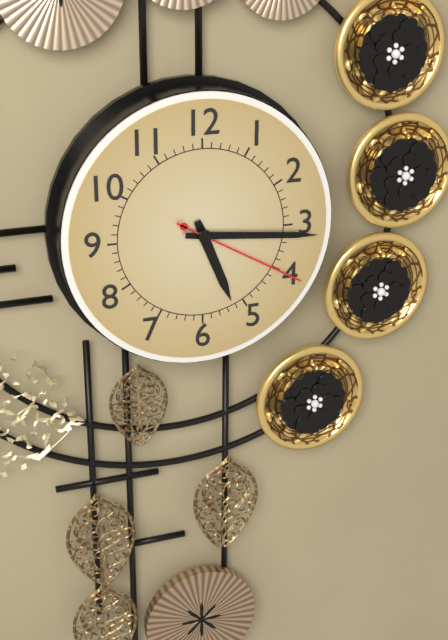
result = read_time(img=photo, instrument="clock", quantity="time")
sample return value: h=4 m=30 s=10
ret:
h=5 m=16 s=20
